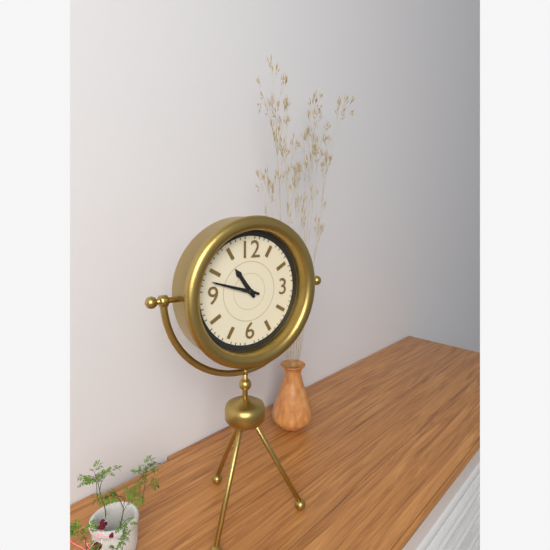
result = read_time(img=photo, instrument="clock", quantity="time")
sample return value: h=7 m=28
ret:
h=10 m=48
